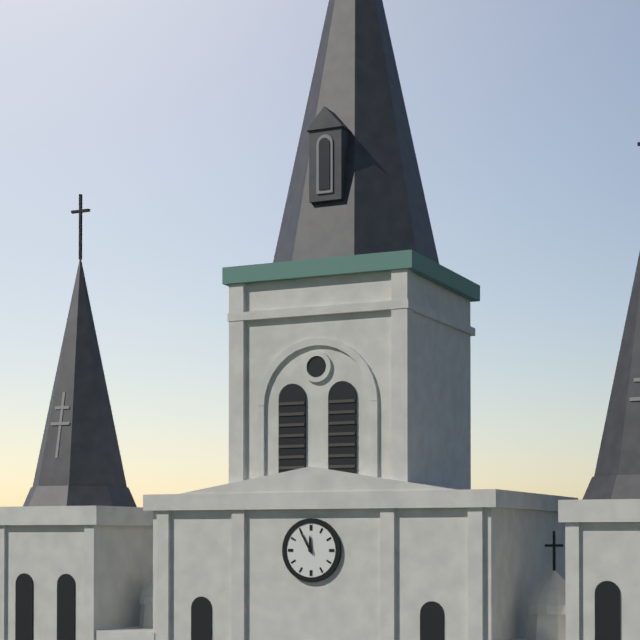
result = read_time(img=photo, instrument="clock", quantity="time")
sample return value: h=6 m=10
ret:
h=11 m=55
